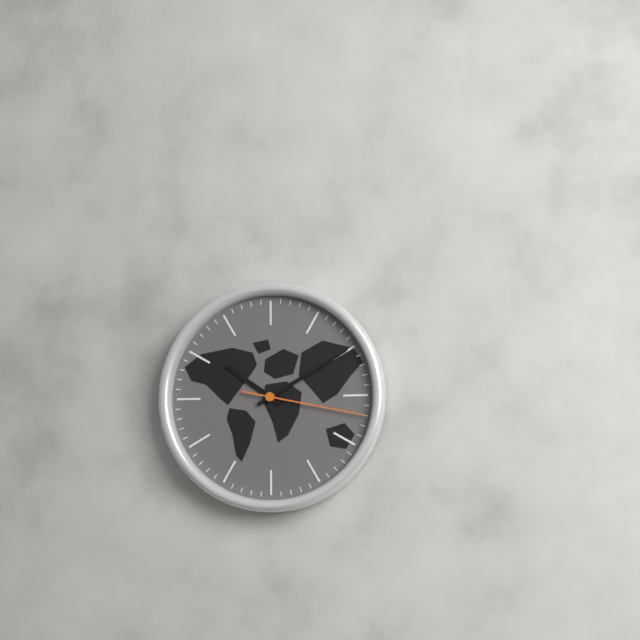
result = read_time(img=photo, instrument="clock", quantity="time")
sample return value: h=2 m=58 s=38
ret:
h=10 m=10 s=17
